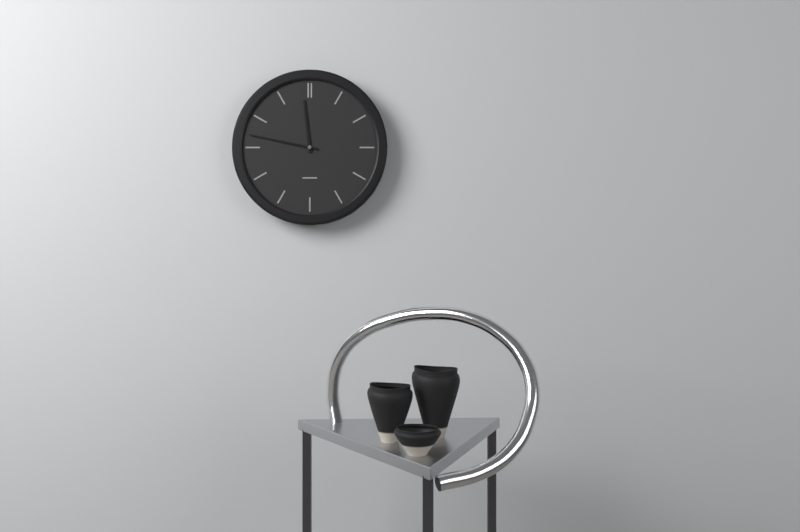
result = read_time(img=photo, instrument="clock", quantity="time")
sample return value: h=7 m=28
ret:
h=11 m=47
